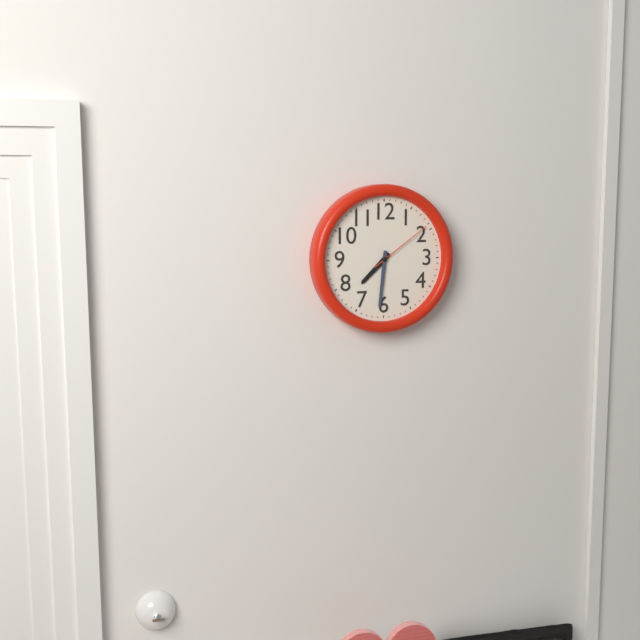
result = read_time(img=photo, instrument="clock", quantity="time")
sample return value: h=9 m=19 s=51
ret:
h=7 m=31 s=9
